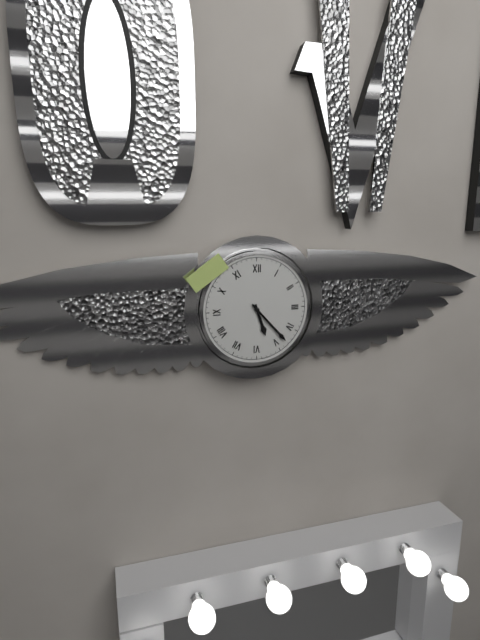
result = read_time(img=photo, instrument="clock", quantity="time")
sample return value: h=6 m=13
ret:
h=5 m=23
